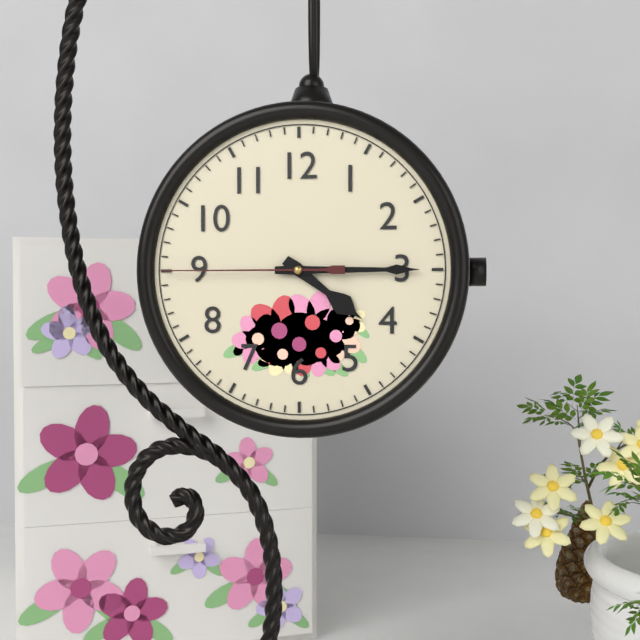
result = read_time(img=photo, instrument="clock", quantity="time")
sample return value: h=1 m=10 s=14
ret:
h=4 m=15 s=45
